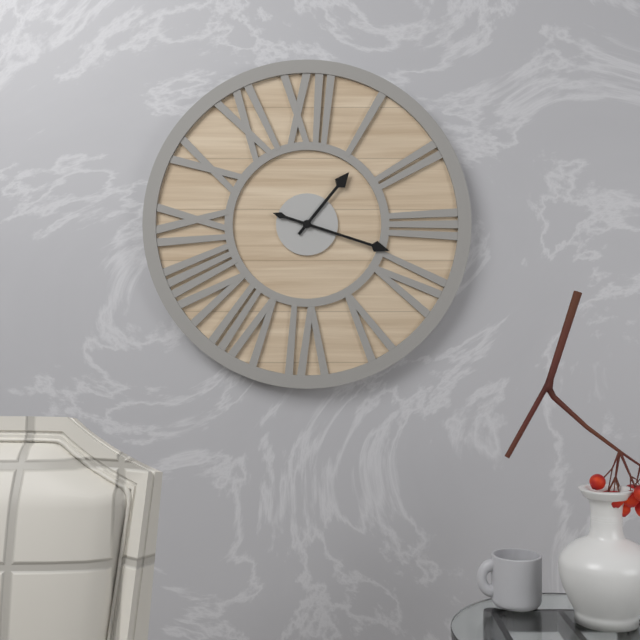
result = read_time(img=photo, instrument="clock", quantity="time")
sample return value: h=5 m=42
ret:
h=1 m=18
